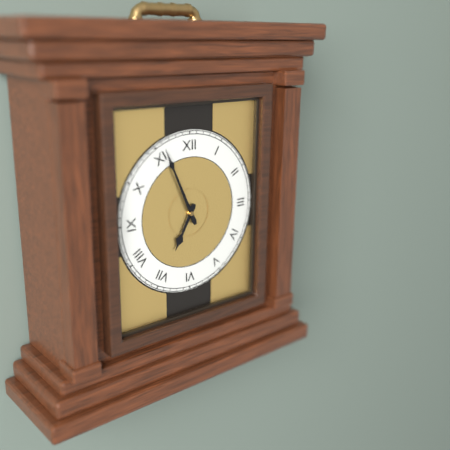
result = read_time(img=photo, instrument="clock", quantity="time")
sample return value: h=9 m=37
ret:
h=6 m=56
